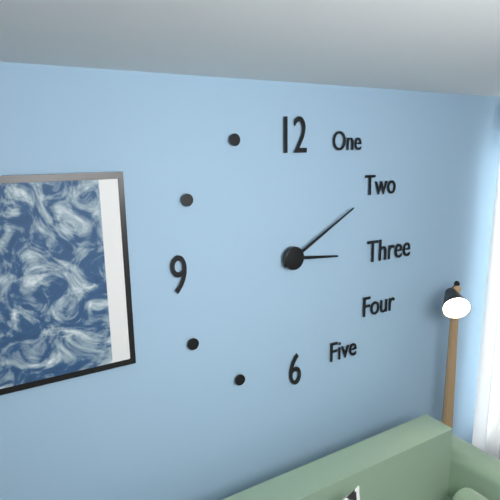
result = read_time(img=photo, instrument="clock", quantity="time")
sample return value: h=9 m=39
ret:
h=3 m=10
